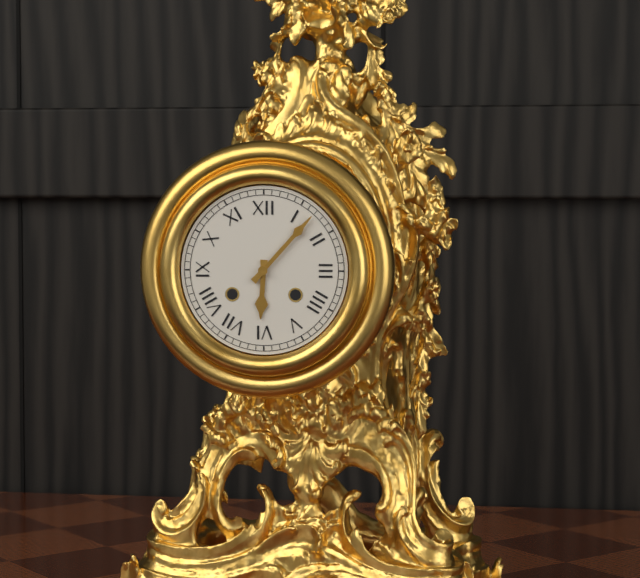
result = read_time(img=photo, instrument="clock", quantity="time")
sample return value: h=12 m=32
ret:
h=6 m=7
